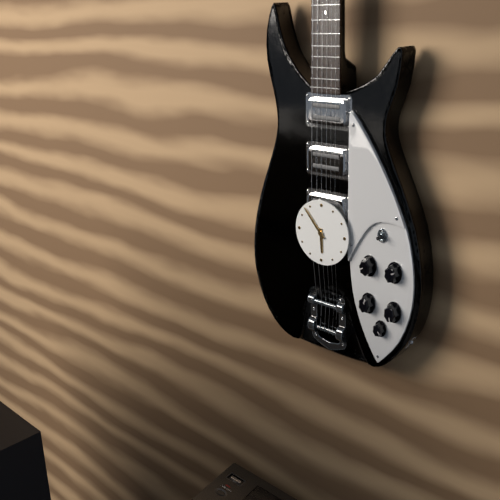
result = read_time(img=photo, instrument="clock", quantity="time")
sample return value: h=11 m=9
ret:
h=5 m=53
